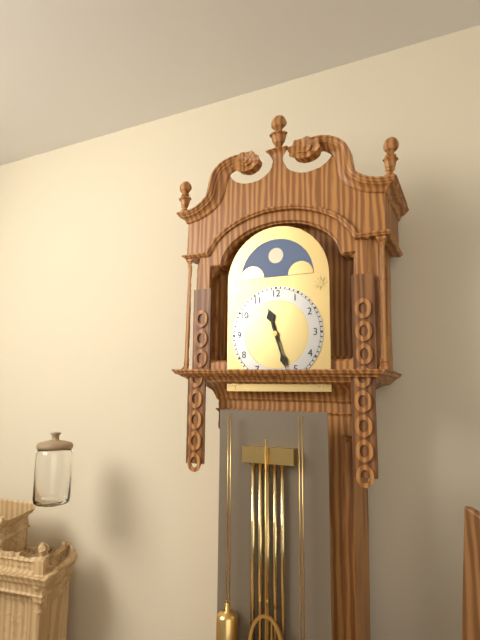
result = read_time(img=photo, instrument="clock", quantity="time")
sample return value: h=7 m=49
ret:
h=11 m=27
